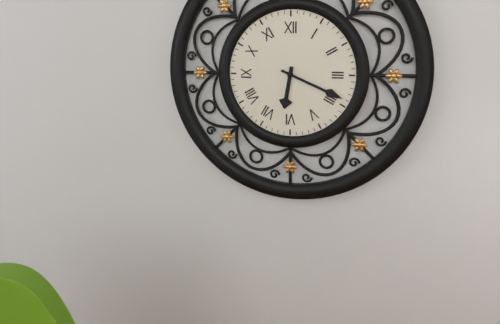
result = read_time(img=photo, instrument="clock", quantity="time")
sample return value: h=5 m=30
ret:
h=6 m=19
